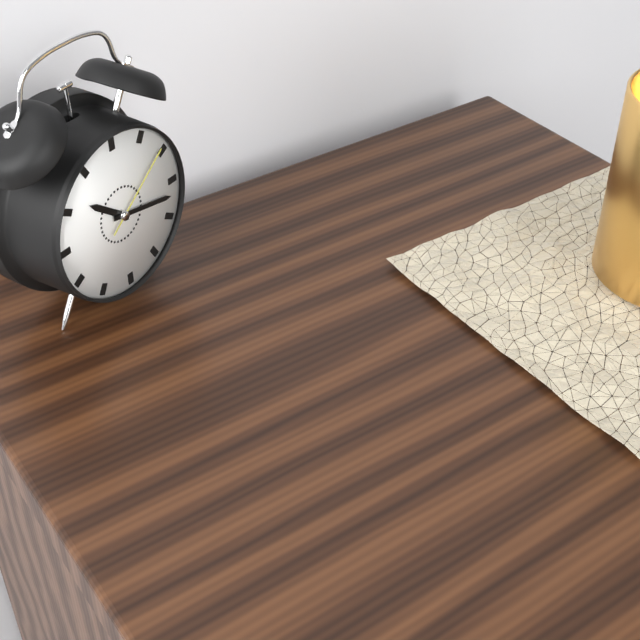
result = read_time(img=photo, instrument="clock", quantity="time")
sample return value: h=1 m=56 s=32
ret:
h=10 m=17 s=9
